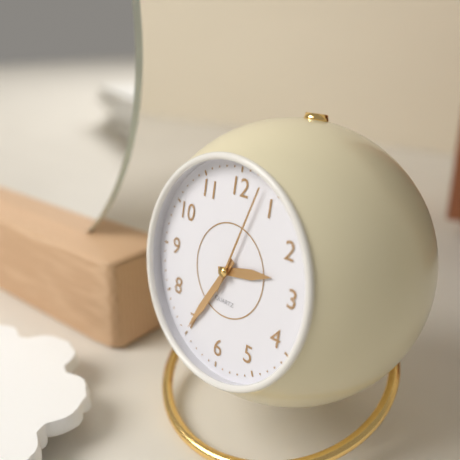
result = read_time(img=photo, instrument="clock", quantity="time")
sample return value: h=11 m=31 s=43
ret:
h=2 m=35 s=3
